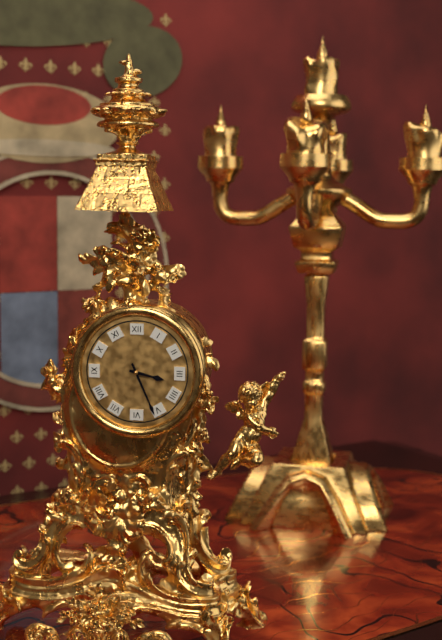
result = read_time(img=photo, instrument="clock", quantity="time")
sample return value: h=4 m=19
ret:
h=3 m=26
